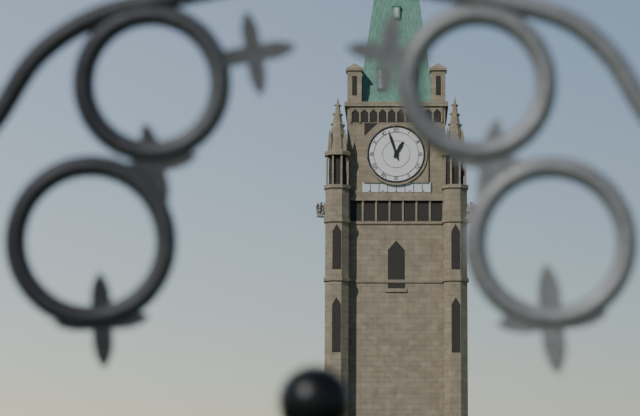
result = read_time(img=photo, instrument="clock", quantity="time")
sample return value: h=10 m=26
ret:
h=12 m=57
